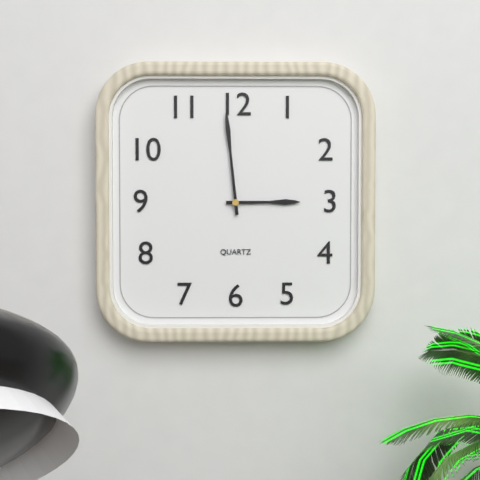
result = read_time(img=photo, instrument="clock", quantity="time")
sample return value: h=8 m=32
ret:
h=2 m=59
